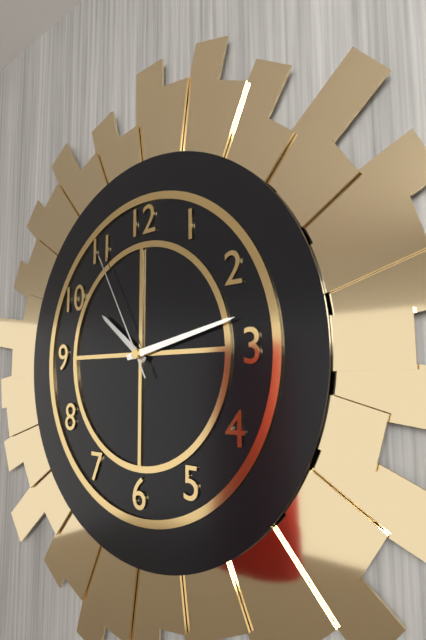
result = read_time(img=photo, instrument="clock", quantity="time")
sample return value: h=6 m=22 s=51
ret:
h=10 m=13 s=55
